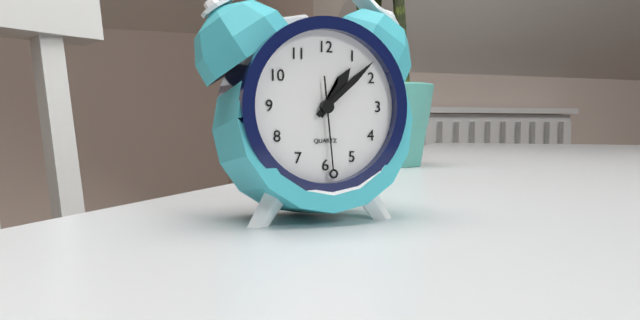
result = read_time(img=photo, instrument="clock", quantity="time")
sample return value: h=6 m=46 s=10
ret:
h=1 m=8 s=29
